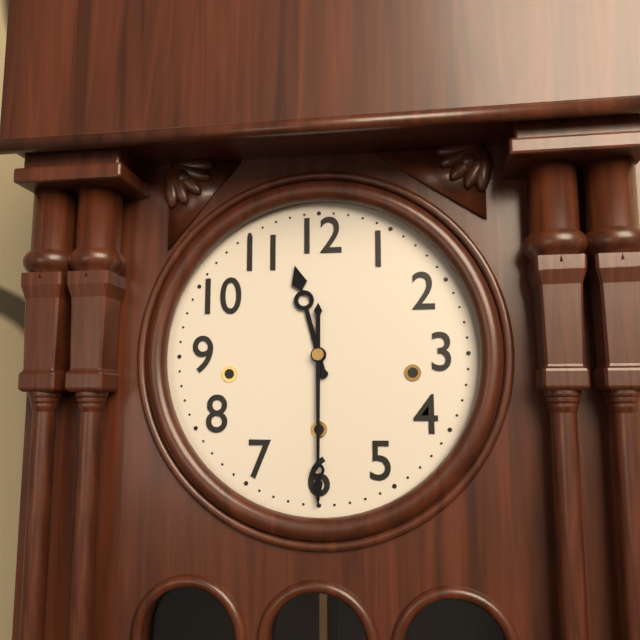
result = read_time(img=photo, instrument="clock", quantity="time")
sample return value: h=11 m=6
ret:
h=11 m=30
